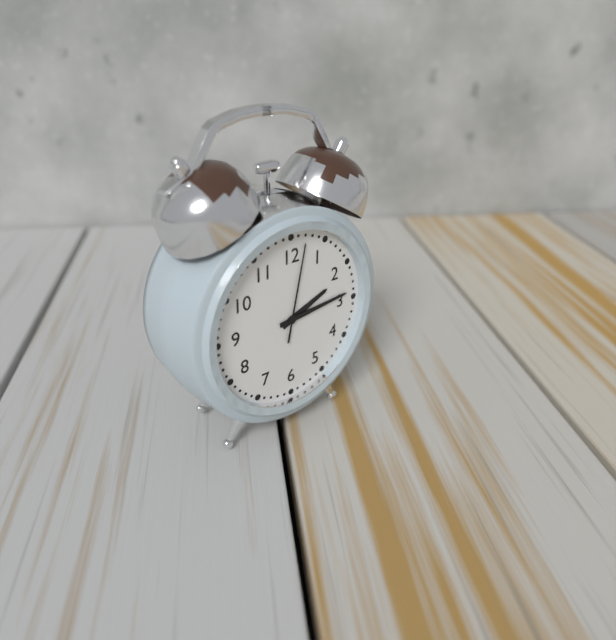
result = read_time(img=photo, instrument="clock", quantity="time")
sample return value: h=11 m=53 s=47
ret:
h=2 m=14 s=2
